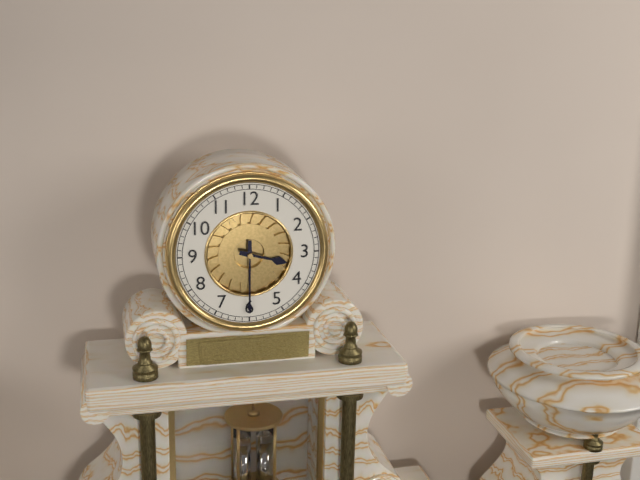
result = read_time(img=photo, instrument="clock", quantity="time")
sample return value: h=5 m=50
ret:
h=3 m=30
